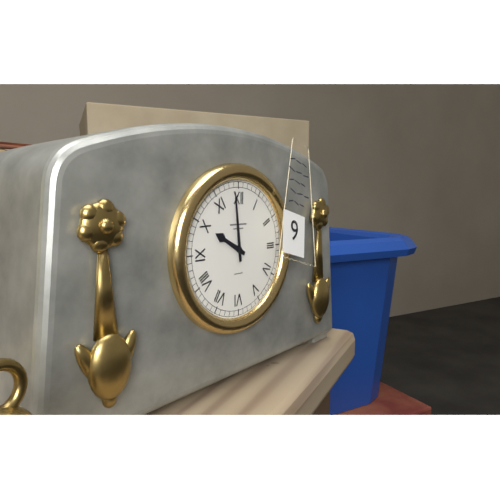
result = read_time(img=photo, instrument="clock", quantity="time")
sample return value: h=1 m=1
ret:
h=9 m=59
